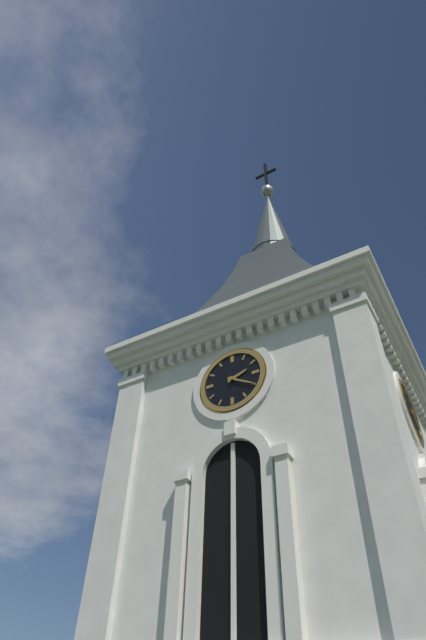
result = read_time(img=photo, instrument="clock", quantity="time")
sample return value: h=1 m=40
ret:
h=2 m=20
